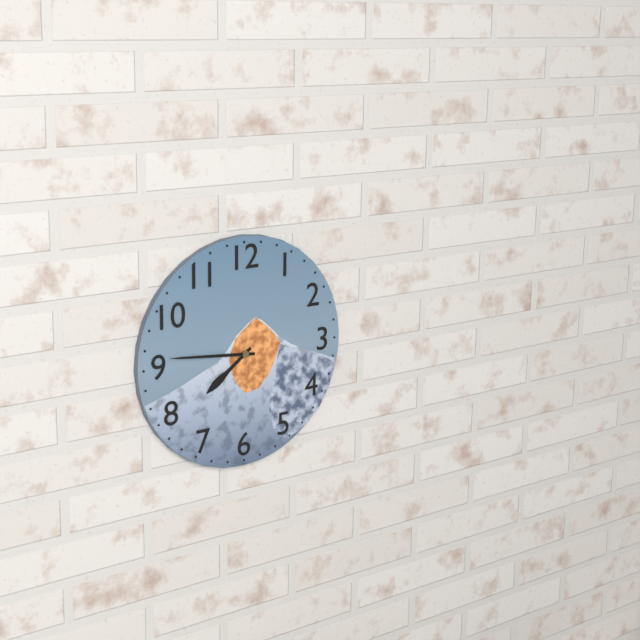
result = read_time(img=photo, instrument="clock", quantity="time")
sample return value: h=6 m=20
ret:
h=7 m=46
